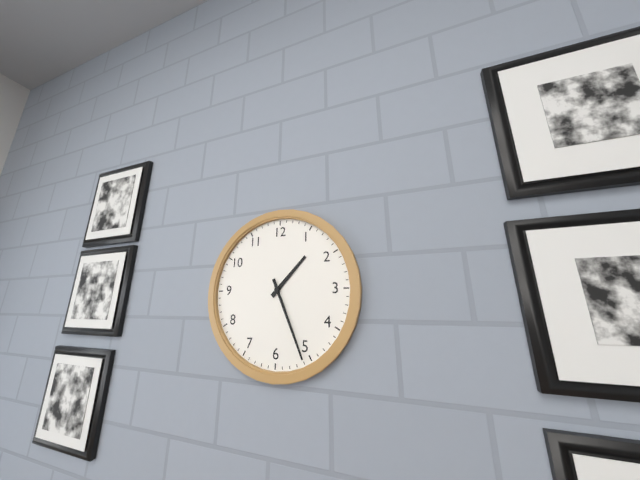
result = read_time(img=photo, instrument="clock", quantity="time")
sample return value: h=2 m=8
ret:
h=1 m=26
